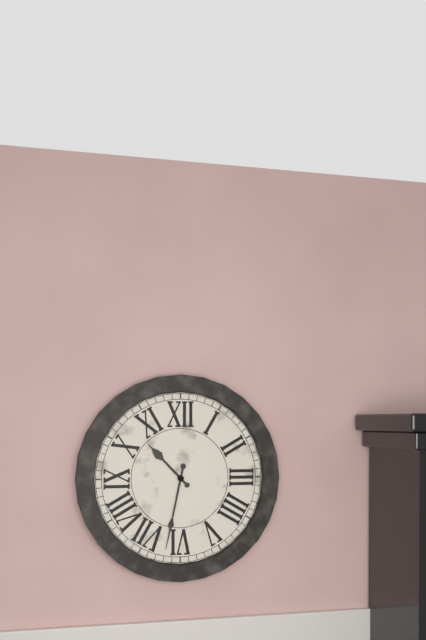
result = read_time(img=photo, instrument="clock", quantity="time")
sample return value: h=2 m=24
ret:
h=10 m=32
